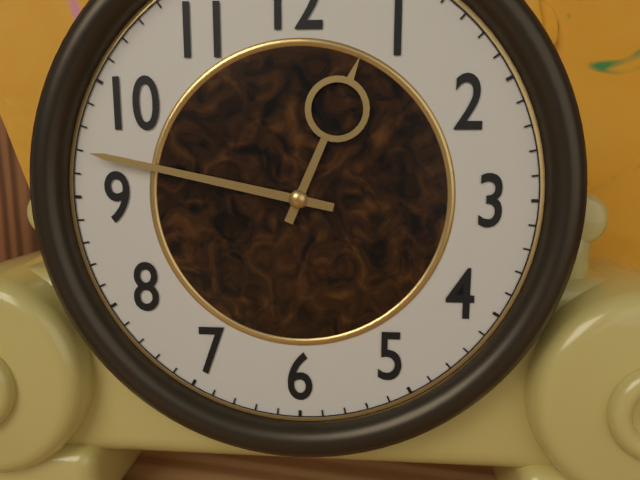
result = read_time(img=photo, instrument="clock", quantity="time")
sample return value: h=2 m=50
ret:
h=12 m=47
